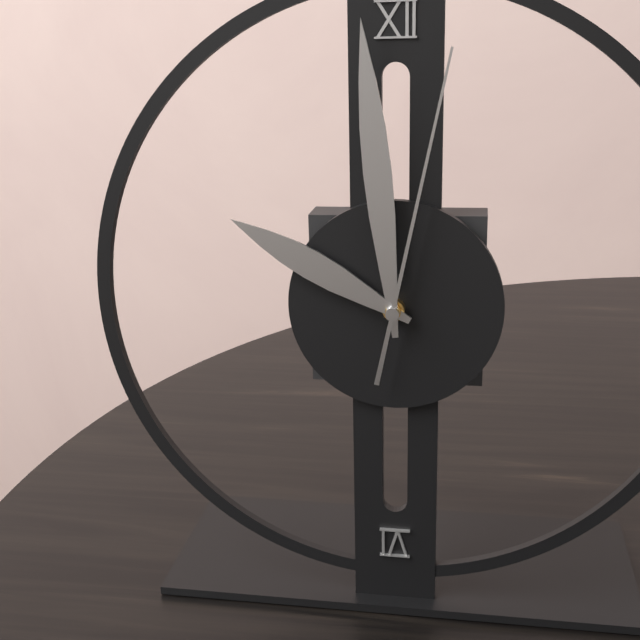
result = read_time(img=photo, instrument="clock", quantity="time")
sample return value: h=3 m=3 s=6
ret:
h=9 m=59 s=2
